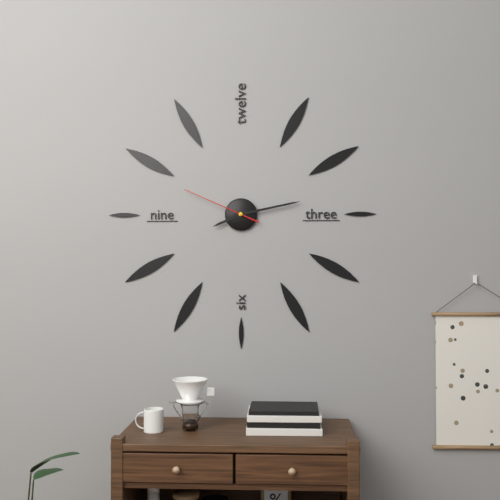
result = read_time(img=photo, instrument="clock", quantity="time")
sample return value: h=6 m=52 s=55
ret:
h=8 m=13 s=49
